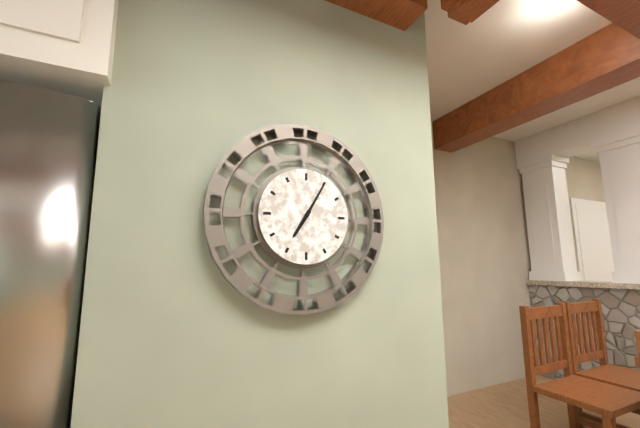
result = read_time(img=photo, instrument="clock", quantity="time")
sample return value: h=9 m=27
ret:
h=7 m=5
